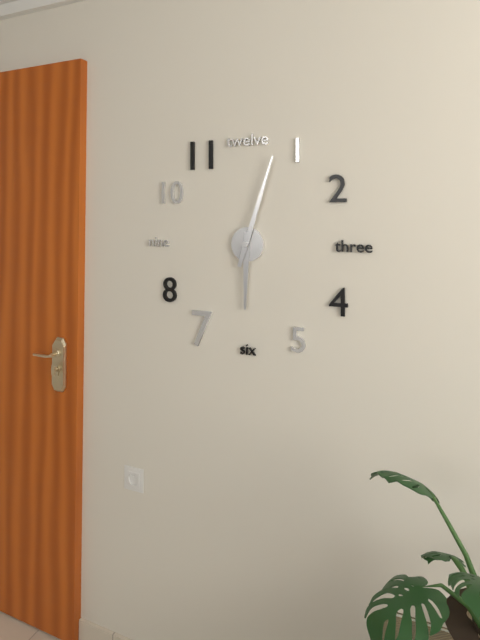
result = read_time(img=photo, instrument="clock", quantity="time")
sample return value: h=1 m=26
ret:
h=6 m=3
